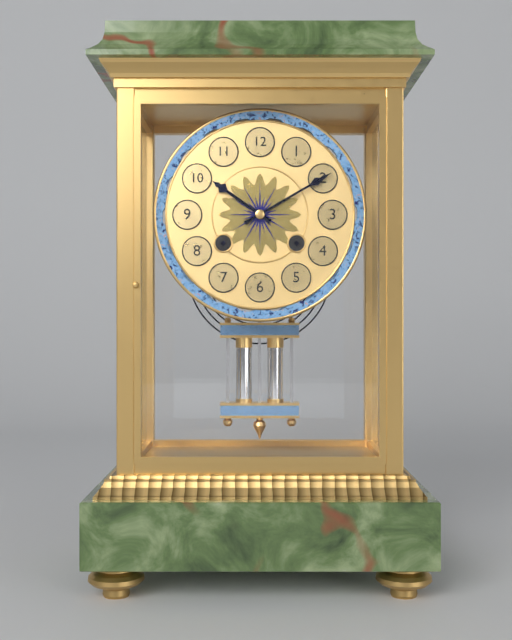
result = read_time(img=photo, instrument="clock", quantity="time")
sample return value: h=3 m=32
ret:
h=10 m=10
